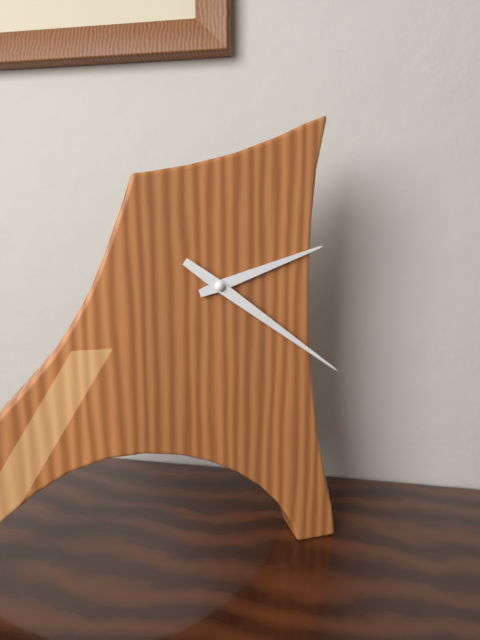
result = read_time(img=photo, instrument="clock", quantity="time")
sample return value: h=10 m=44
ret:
h=2 m=21
